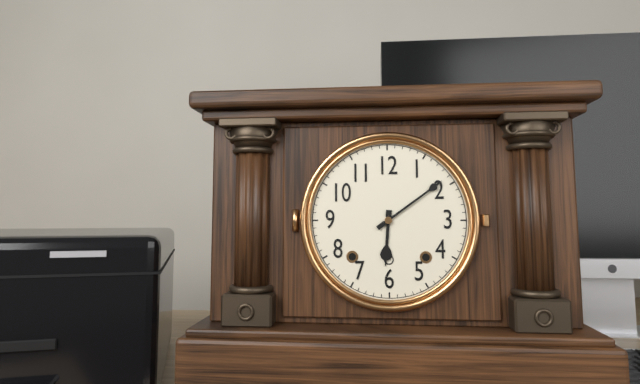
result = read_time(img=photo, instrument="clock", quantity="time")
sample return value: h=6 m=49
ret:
h=6 m=9
